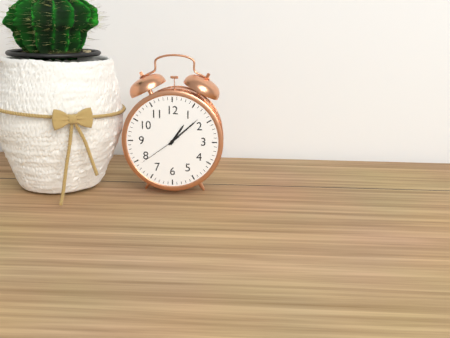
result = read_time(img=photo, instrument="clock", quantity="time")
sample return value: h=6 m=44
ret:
h=1 m=8
